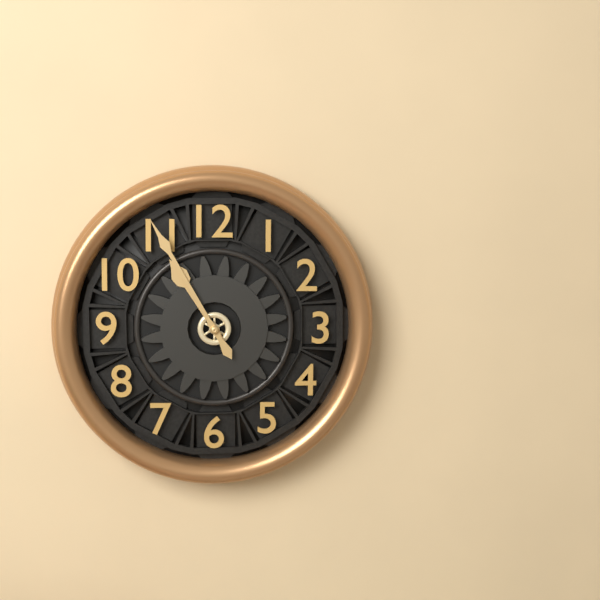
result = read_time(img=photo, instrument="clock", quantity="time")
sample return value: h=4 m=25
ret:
h=10 m=55
